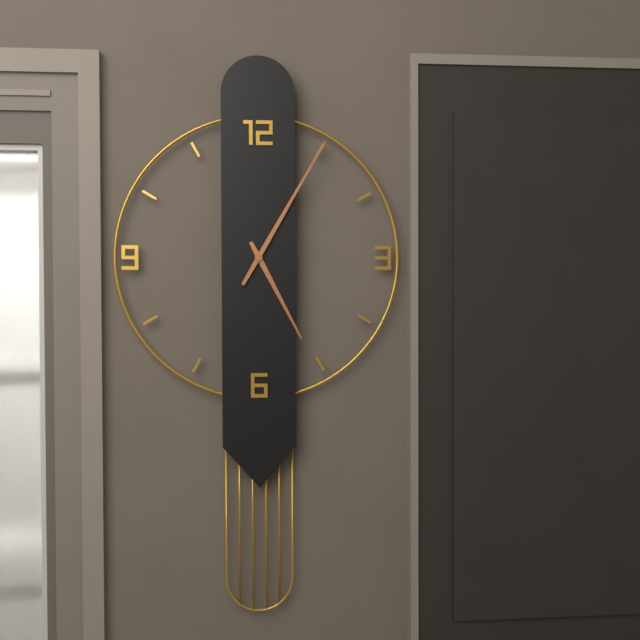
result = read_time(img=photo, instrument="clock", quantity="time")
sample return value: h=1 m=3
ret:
h=5 m=5
